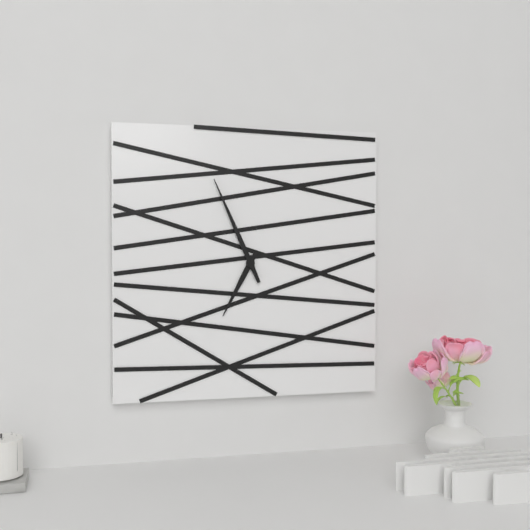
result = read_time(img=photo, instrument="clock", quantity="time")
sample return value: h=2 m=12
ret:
h=6 m=56
